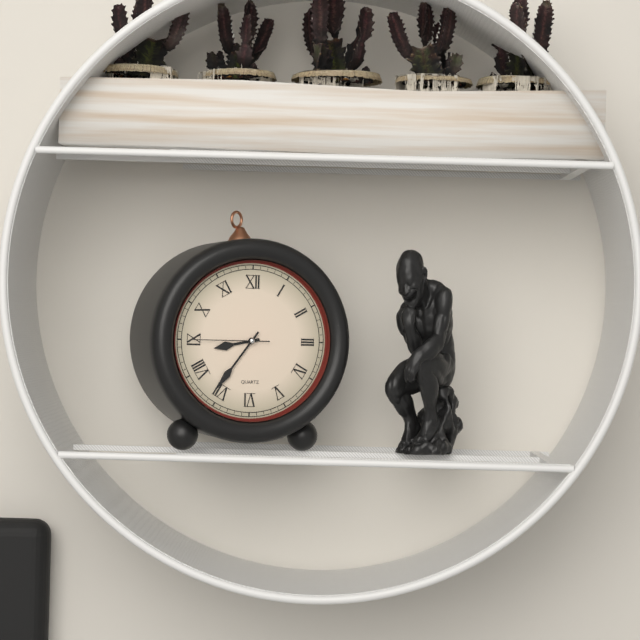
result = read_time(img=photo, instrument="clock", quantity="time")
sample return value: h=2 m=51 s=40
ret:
h=8 m=36 s=45
